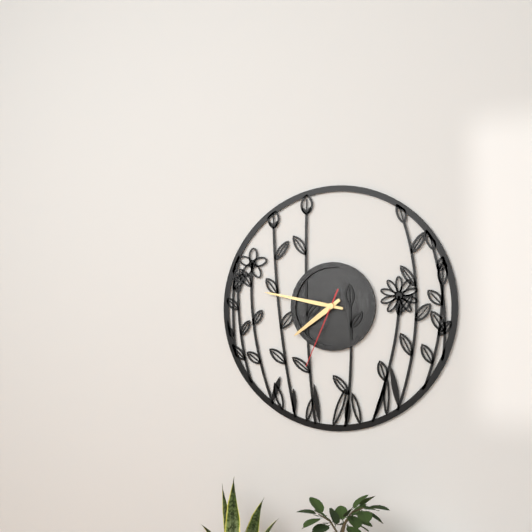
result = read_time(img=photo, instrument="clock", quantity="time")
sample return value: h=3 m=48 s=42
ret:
h=7 m=47 s=34
